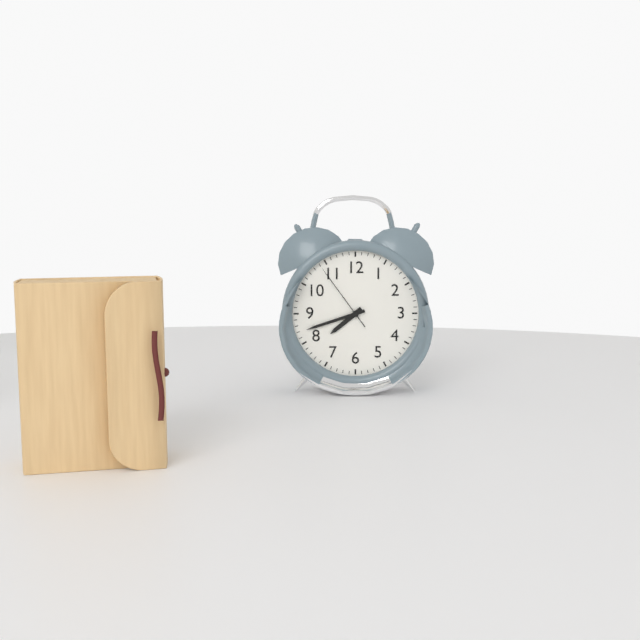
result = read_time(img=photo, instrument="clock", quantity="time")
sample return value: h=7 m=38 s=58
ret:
h=7 m=42 s=54
